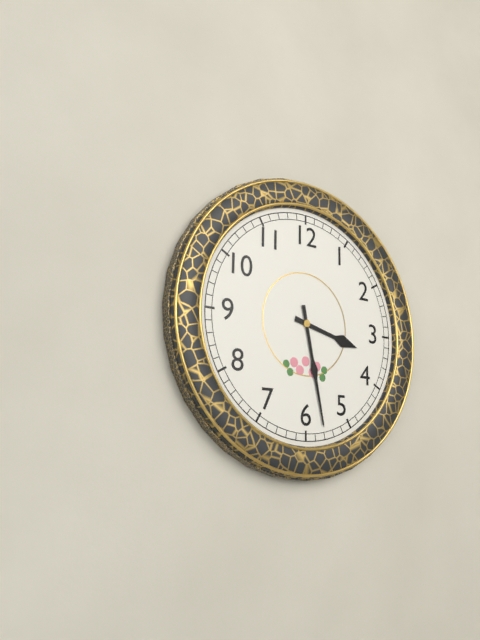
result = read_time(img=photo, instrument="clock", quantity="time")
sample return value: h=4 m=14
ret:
h=3 m=28
